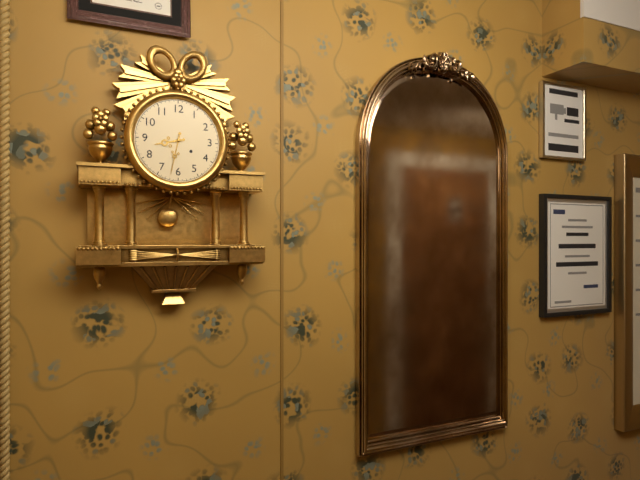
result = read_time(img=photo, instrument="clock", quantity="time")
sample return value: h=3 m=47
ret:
h=8 m=32
